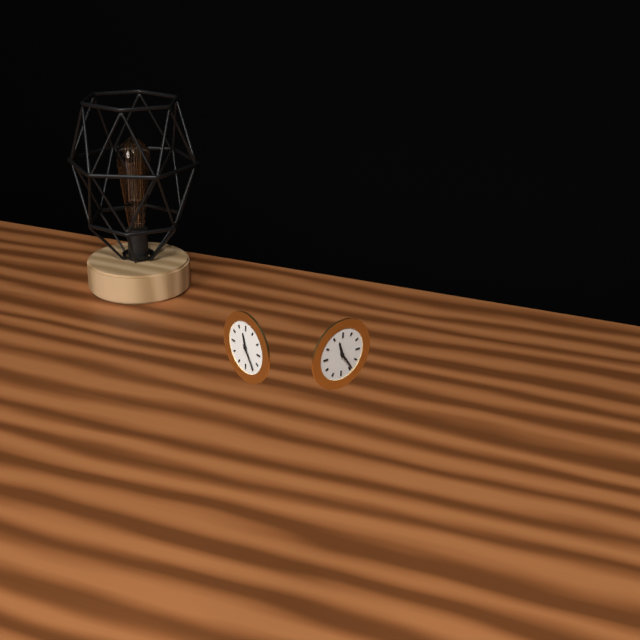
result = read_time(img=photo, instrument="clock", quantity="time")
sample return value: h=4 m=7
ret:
h=11 m=24
